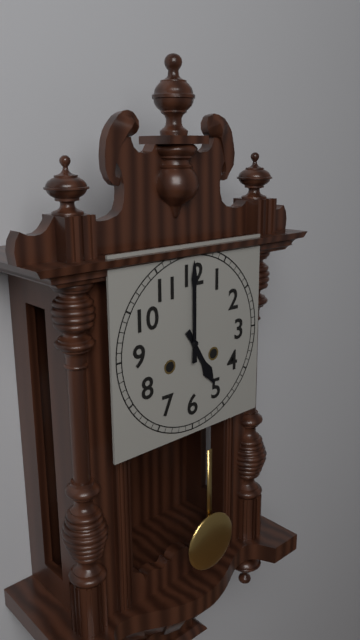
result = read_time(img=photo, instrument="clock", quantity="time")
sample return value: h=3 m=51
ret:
h=5 m=0
